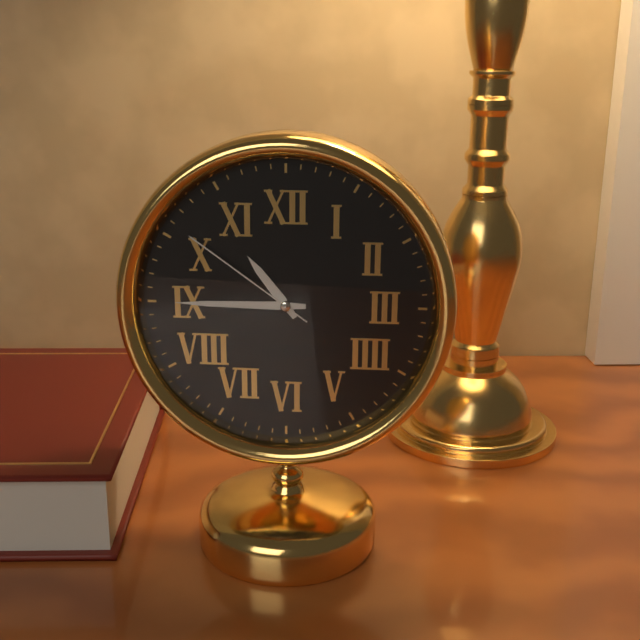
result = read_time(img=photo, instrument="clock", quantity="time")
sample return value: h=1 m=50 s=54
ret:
h=10 m=45 s=51
